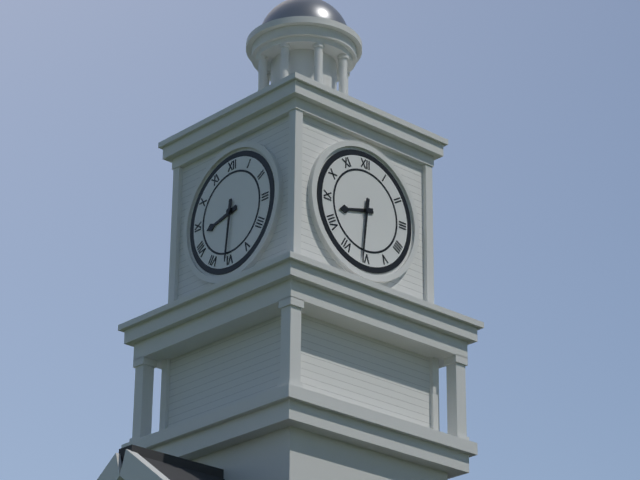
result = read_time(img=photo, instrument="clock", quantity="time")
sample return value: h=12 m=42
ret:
h=8 m=31
